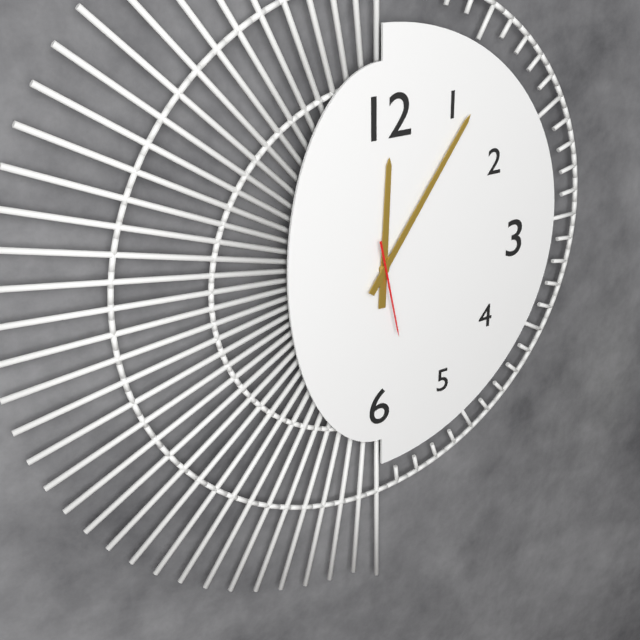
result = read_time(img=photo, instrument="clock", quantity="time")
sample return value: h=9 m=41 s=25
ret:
h=12 m=6 s=28
